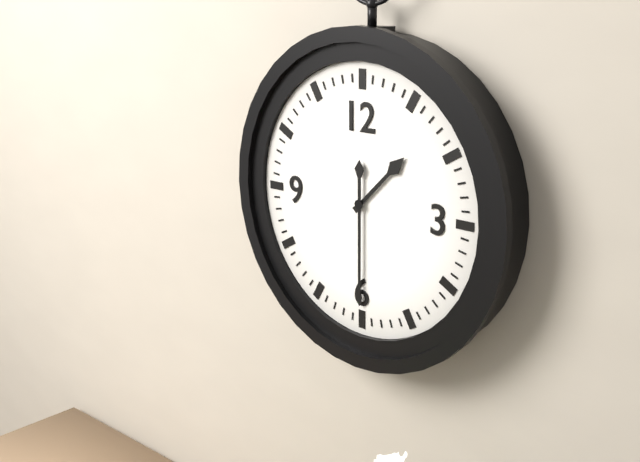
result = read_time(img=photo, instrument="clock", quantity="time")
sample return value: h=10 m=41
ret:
h=1 m=30
